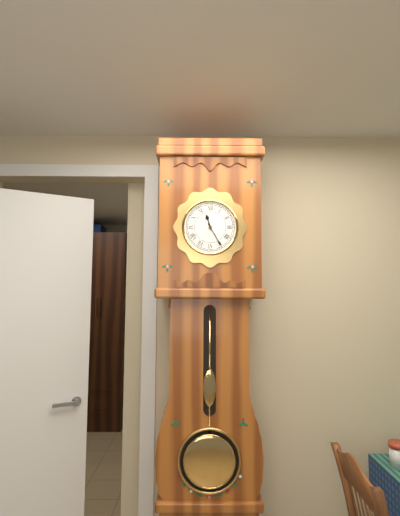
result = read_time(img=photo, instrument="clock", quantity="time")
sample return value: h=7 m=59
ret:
h=11 m=25
